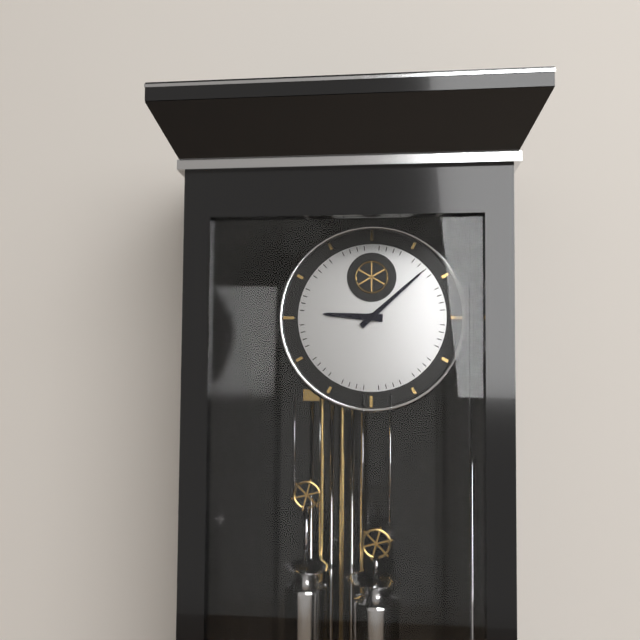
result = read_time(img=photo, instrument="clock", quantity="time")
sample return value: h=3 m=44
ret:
h=9 m=8
